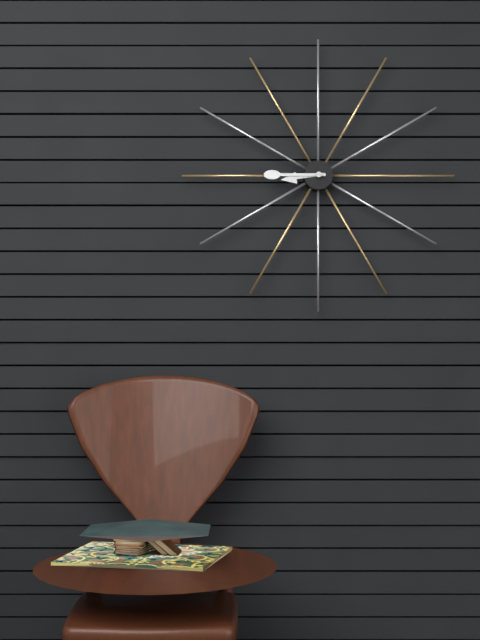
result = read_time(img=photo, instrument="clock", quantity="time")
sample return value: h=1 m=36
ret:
h=8 m=45
